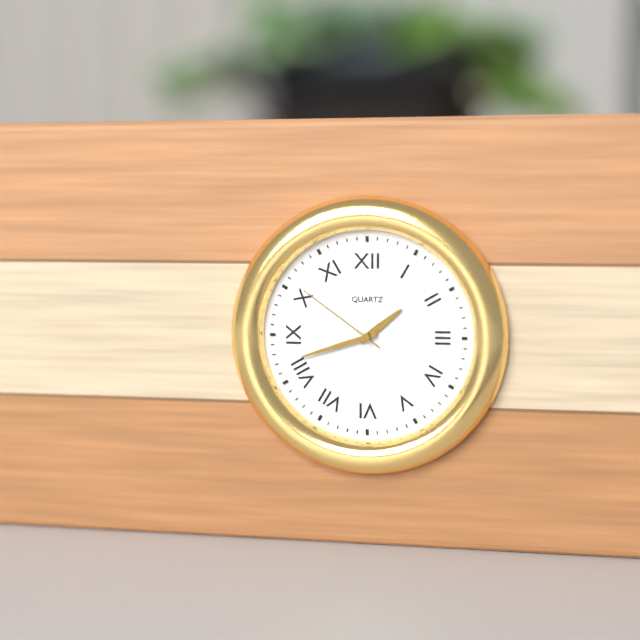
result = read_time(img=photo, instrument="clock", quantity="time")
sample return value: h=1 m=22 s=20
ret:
h=1 m=42 s=51
